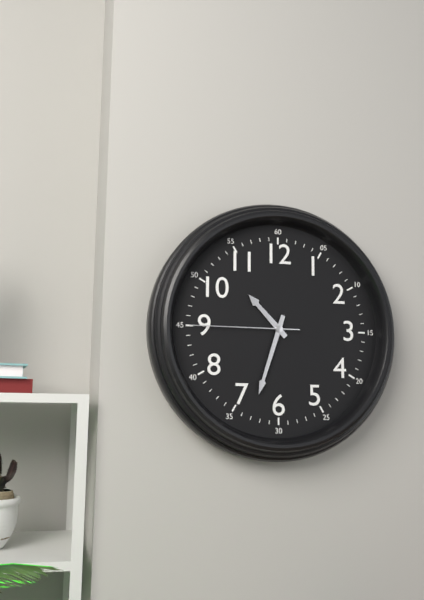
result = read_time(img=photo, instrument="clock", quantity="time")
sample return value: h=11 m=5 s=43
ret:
h=10 m=33 s=45
